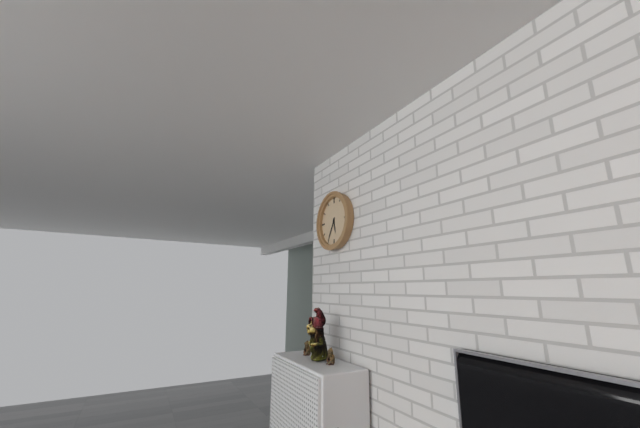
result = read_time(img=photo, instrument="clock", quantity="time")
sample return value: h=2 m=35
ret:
h=5 m=35
